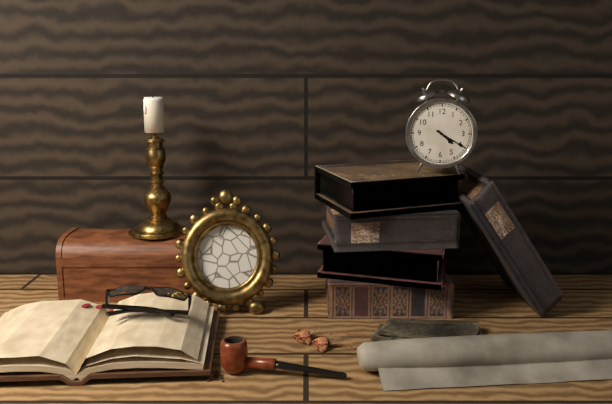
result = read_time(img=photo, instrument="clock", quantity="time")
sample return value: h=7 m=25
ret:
h=4 m=20
